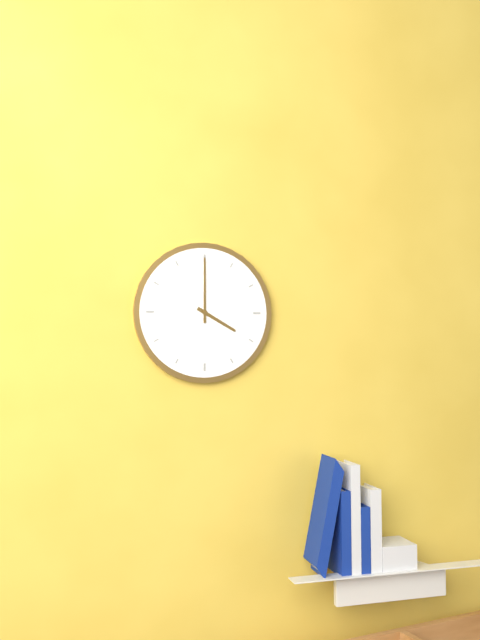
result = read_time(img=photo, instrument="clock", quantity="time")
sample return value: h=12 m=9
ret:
h=4 m=0
